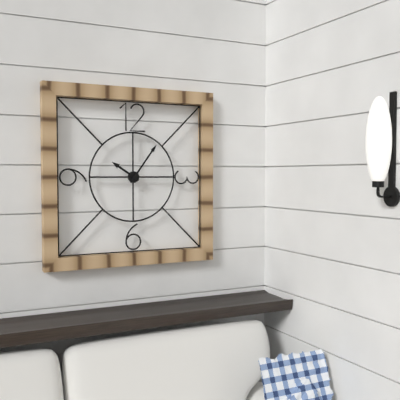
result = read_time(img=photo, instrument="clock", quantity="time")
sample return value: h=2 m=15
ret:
h=10 m=6
